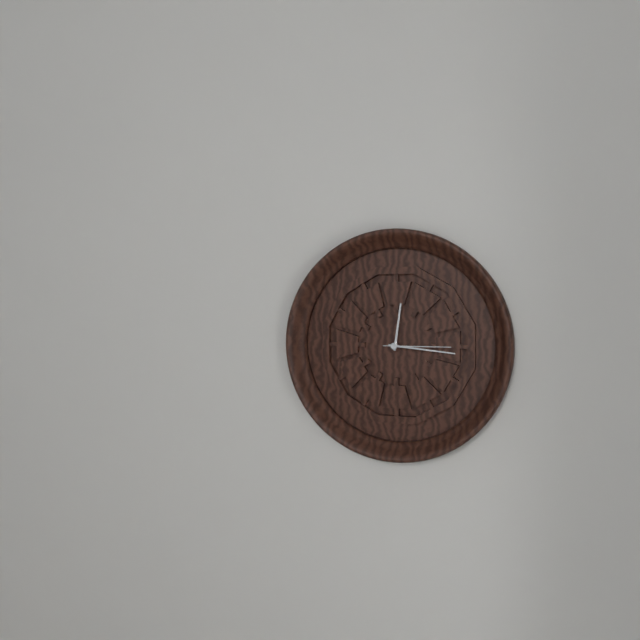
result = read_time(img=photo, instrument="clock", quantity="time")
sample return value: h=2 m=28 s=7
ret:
h=12 m=16 s=15
